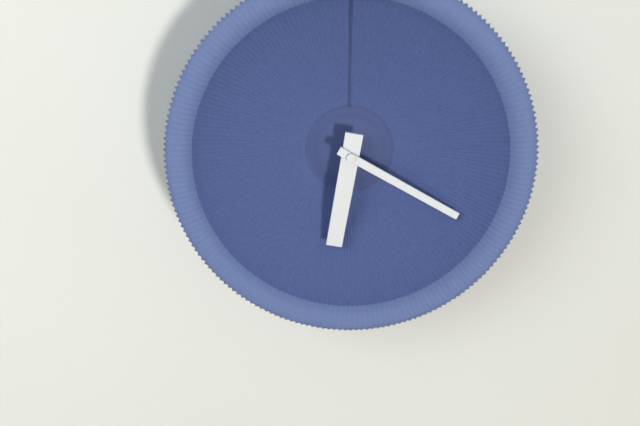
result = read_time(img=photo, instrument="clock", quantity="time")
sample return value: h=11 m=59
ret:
h=6 m=20
